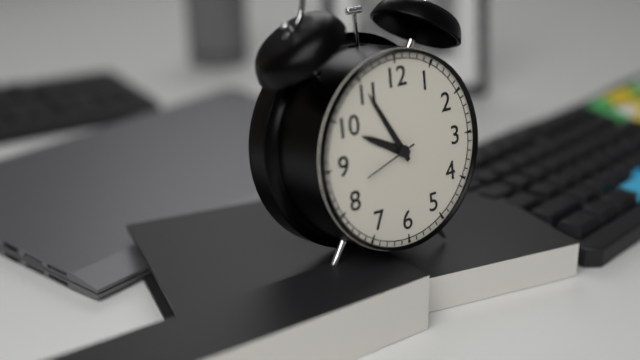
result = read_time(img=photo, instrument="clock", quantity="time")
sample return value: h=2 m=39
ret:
h=9 m=55
